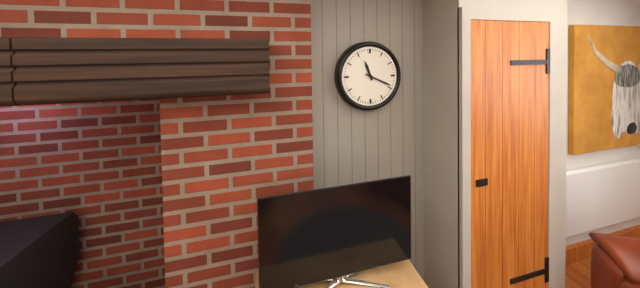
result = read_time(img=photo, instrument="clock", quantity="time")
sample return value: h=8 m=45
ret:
h=11 m=19
